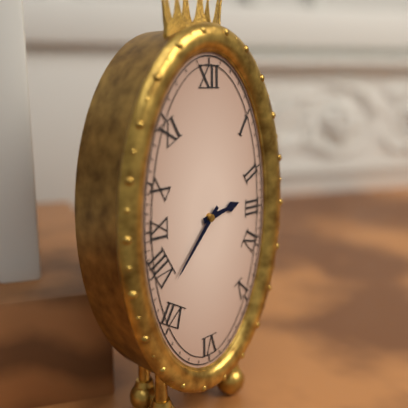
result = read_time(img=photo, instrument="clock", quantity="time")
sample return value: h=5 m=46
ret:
h=2 m=37
